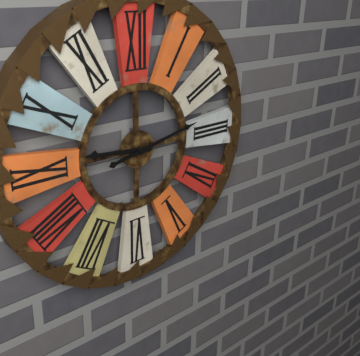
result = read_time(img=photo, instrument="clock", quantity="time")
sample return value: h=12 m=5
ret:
h=9 m=13
